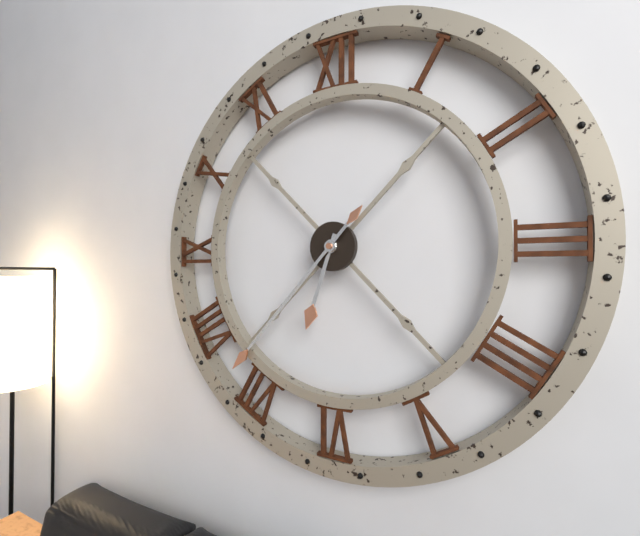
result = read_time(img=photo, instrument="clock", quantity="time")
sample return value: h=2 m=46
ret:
h=6 m=37
